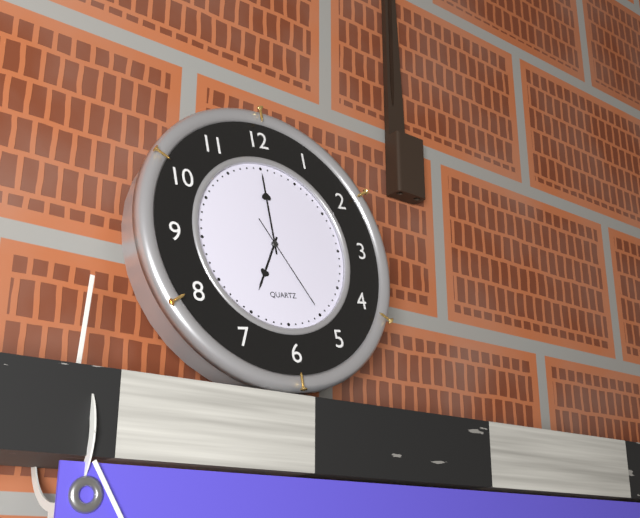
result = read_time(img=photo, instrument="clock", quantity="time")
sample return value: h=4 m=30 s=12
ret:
h=7 m=0 s=25
